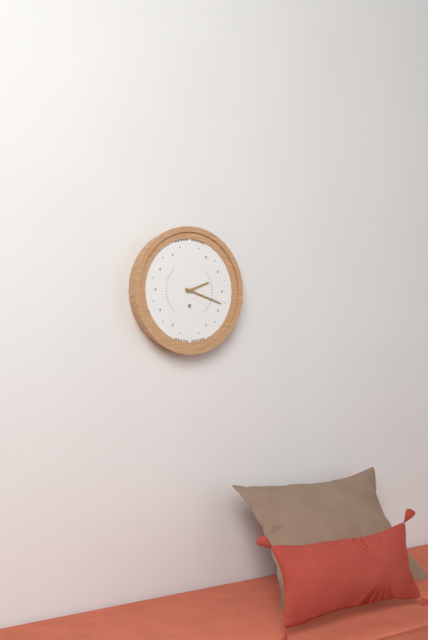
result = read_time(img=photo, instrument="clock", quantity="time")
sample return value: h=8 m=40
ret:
h=2 m=18
